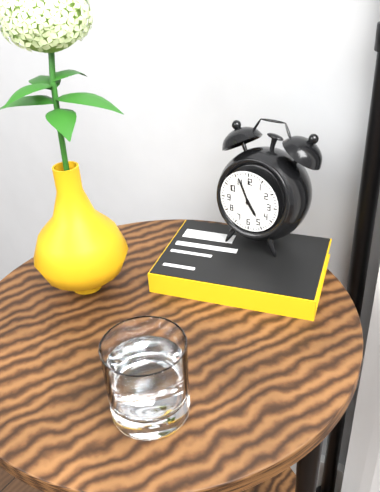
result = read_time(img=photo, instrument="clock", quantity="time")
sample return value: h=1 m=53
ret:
h=4 m=56
